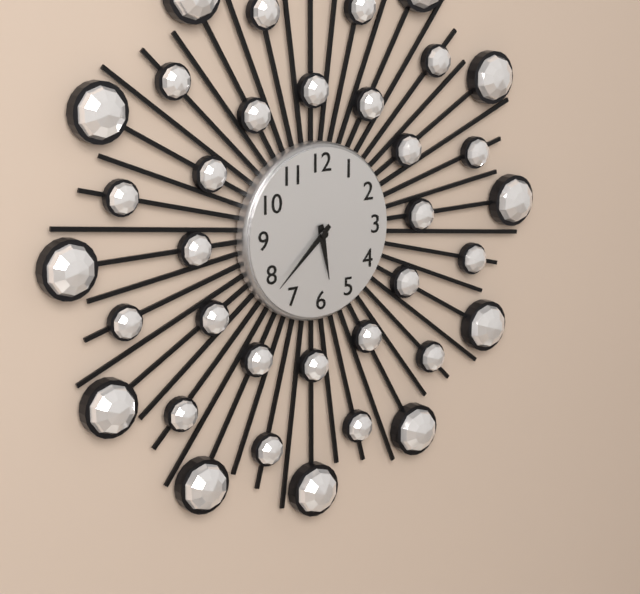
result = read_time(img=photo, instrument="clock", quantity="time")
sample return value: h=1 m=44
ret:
h=5 m=38
